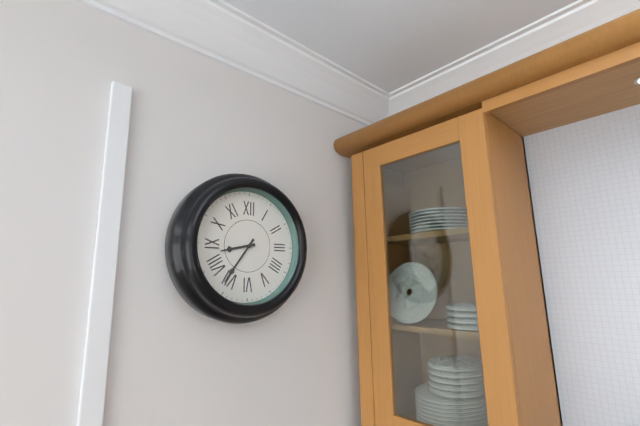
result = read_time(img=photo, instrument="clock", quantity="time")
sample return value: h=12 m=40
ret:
h=8 m=36
